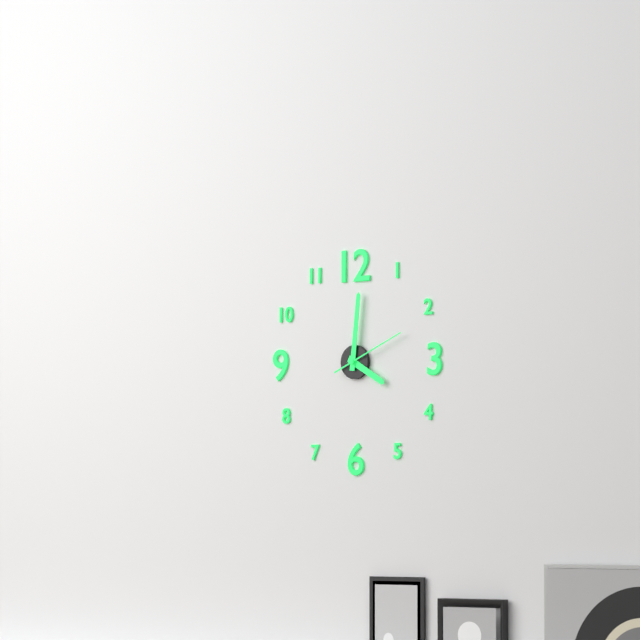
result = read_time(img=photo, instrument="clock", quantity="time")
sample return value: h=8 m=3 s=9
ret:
h=4 m=1 s=11
